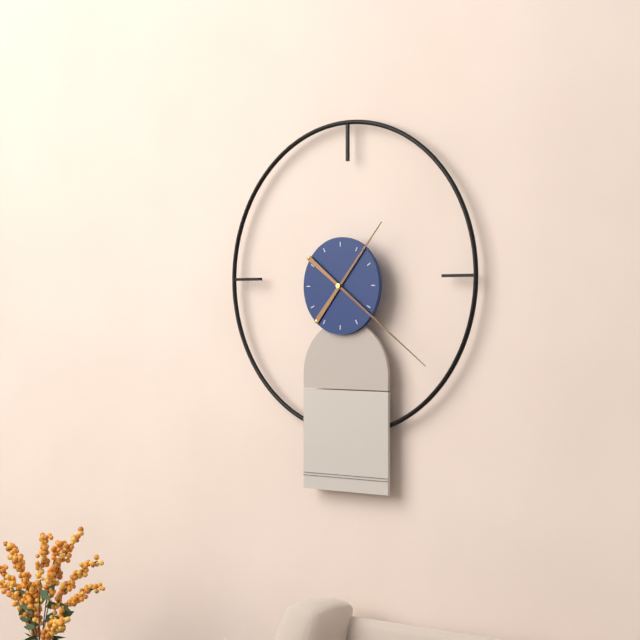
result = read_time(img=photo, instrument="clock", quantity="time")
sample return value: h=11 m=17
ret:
h=1 m=21
